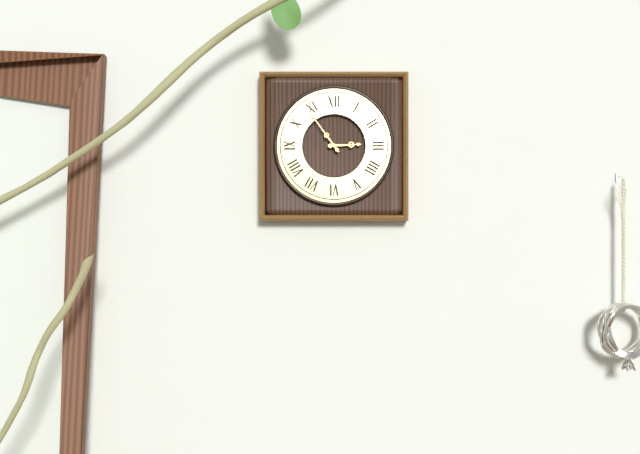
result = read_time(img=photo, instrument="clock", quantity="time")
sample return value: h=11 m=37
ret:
h=2 m=54
